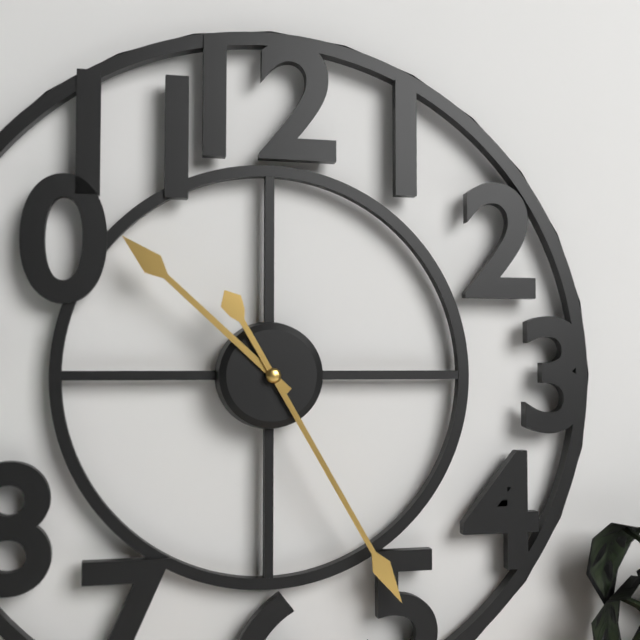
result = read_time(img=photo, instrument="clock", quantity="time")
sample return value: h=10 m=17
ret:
h=10 m=25
